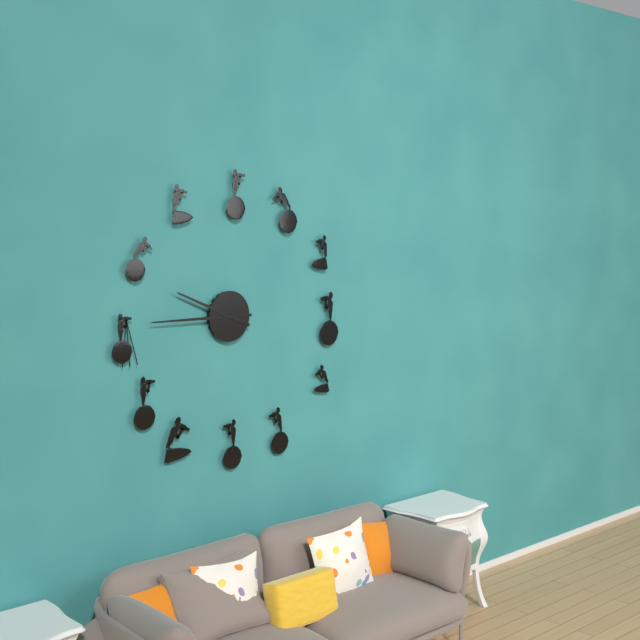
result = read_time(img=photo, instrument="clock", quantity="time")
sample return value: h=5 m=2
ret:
h=9 m=45
